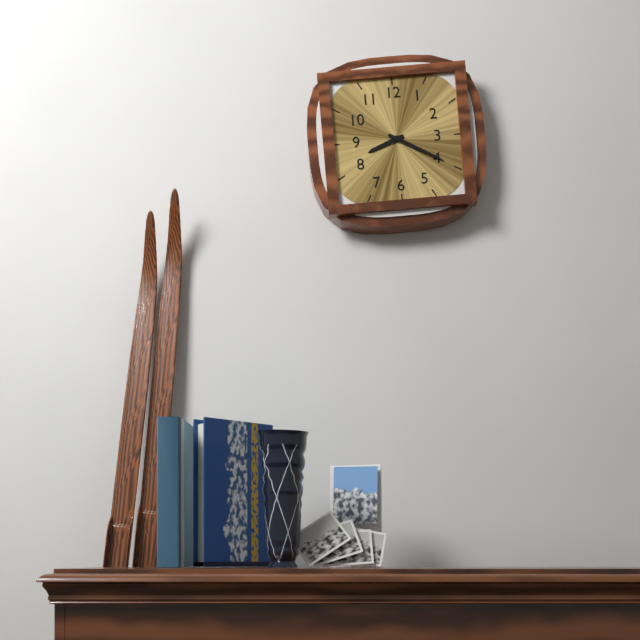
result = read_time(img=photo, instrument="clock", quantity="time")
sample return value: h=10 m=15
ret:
h=8 m=20
